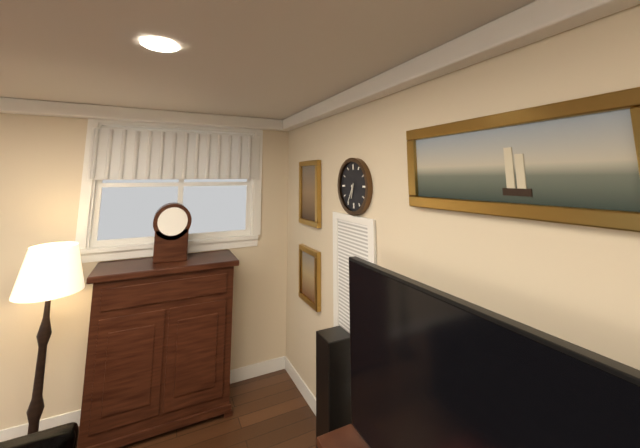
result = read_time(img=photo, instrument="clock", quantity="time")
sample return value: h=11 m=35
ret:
h=6 m=35
